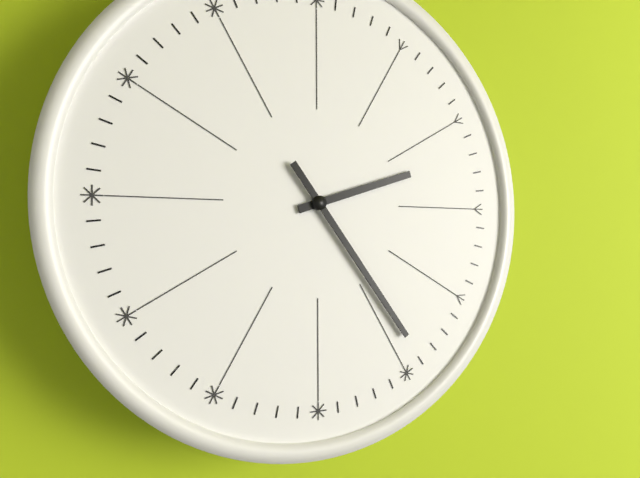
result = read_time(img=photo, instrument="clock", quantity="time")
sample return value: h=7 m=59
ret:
h=2 m=24
